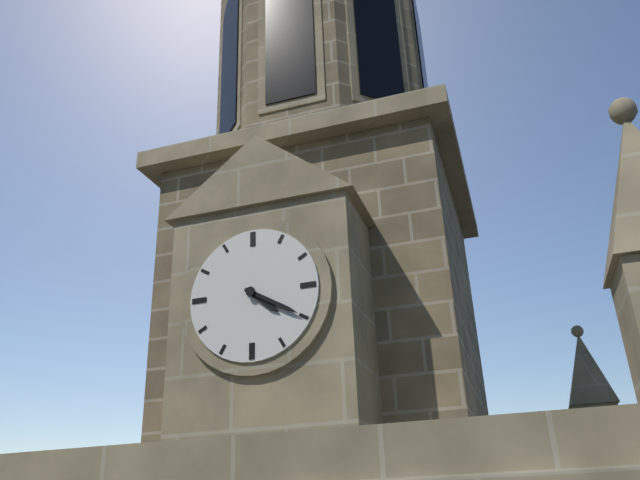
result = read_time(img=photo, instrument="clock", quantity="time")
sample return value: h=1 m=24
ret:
h=4 m=20
